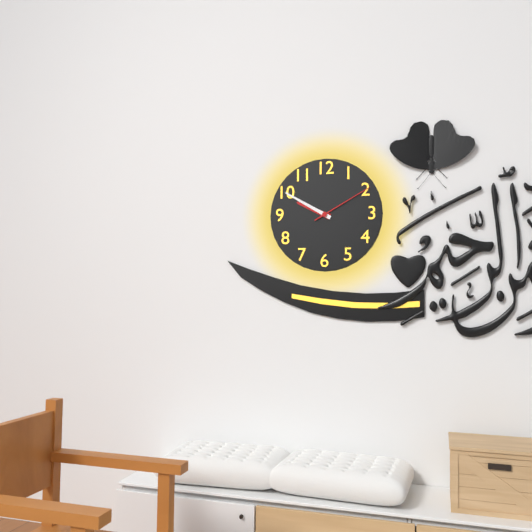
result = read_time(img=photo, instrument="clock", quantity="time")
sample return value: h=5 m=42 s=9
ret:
h=9 m=50 s=10
